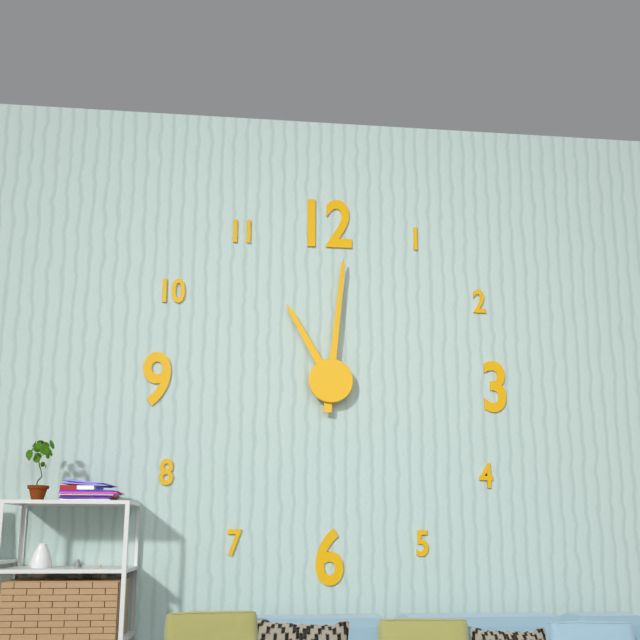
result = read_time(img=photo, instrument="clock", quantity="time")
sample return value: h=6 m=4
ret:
h=11 m=1
